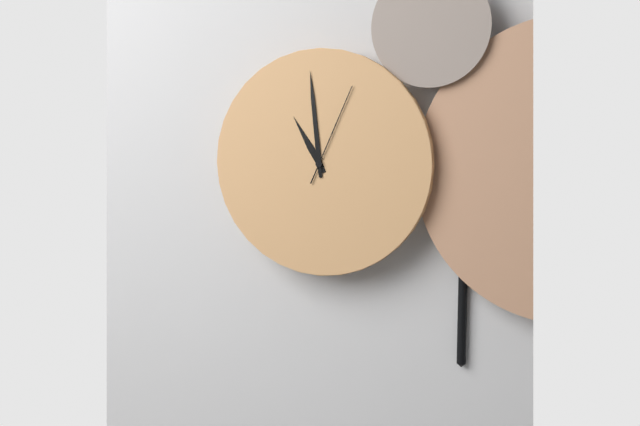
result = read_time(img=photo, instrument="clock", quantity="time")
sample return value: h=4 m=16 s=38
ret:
h=10 m=59 s=4
